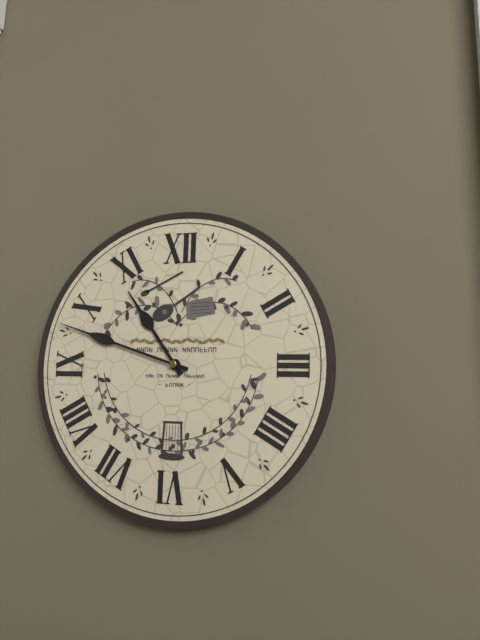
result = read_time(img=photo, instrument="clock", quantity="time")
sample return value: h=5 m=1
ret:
h=10 m=48
